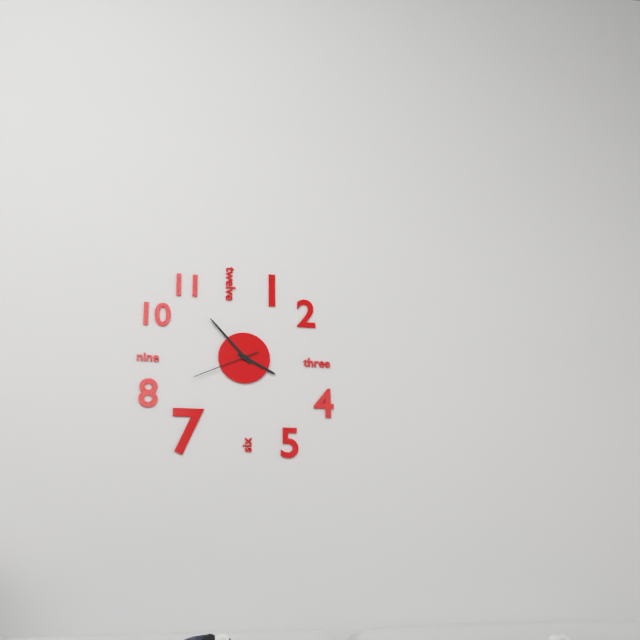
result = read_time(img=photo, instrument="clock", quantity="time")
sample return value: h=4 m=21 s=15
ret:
h=3 m=53 s=41
